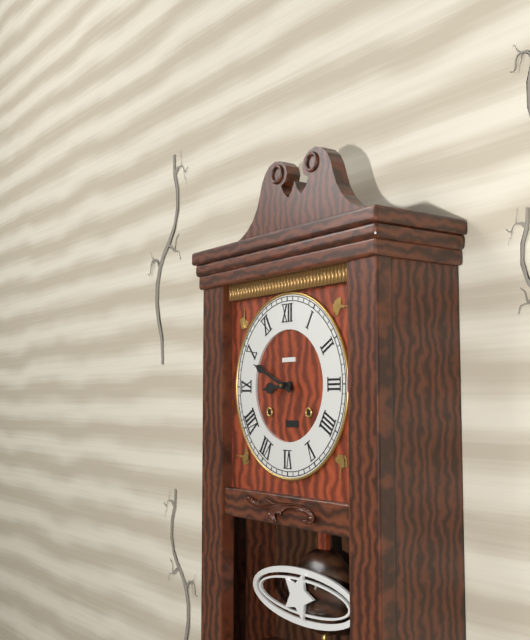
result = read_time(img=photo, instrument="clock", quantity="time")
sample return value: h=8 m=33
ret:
h=8 m=49
